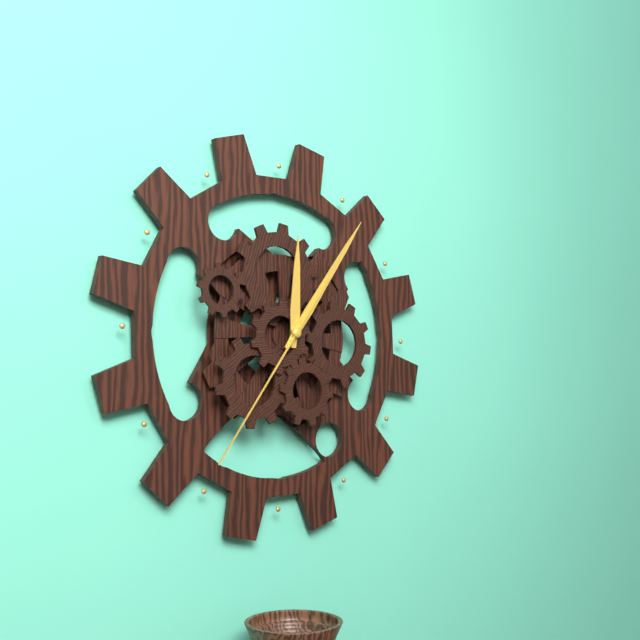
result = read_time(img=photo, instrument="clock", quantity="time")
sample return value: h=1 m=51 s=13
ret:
h=12 m=6 s=36
